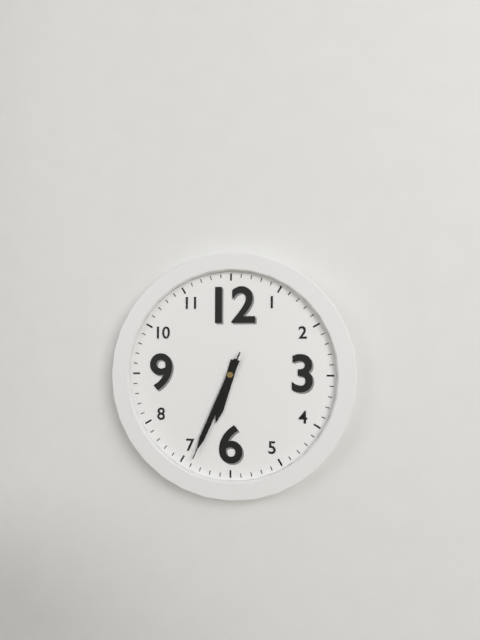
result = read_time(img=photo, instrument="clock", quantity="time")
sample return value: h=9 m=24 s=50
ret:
h=6 m=34 s=34
